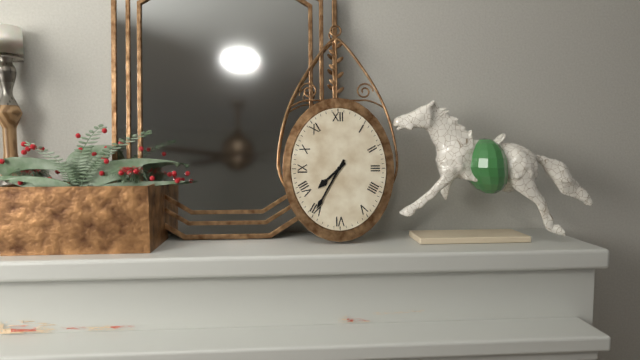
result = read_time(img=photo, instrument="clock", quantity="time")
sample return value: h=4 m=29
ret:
h=7 m=35
